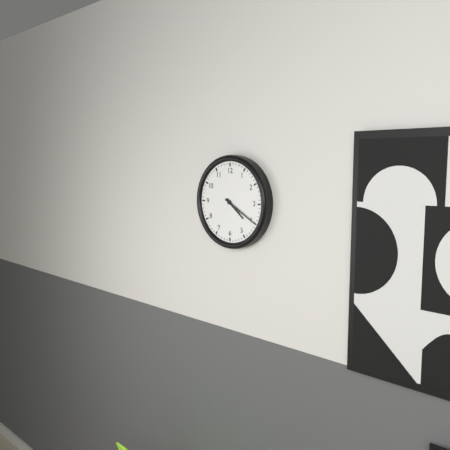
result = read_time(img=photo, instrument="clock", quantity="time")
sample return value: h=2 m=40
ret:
h=4 m=20
